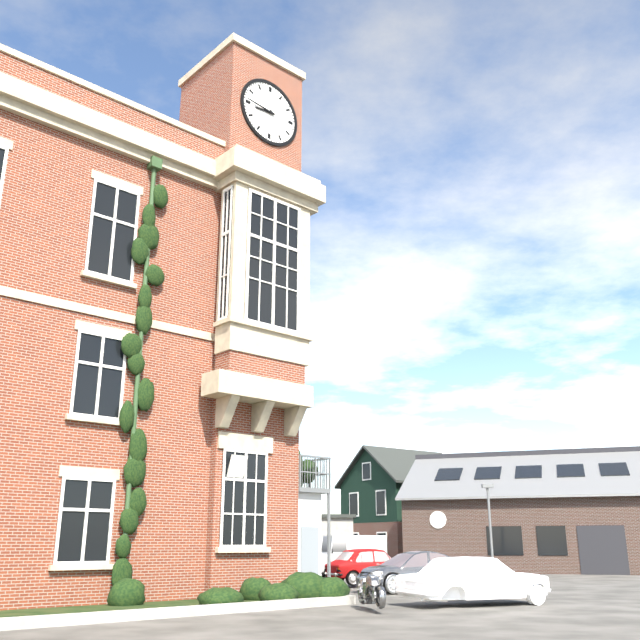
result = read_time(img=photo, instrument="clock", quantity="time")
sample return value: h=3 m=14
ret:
h=8 m=46
